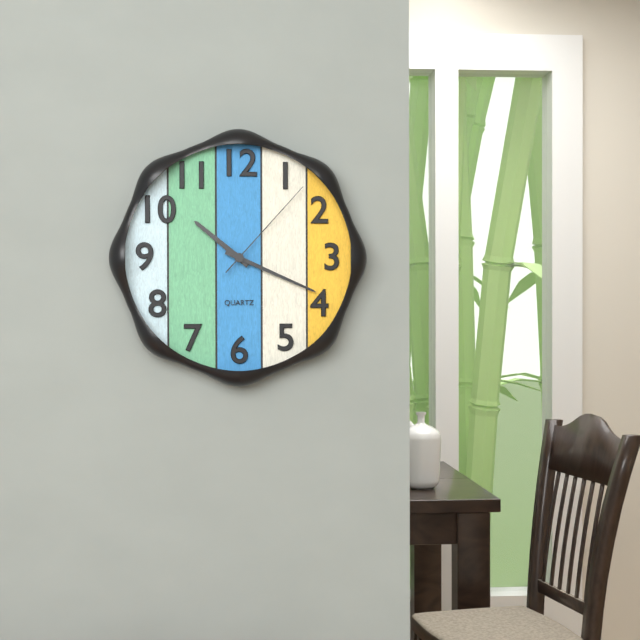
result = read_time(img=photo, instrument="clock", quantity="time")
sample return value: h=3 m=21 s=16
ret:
h=10 m=19 s=7
